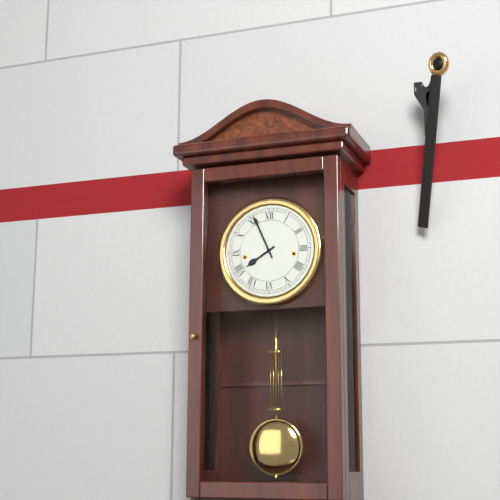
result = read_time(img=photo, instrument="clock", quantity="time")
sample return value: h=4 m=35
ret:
h=7 m=56
